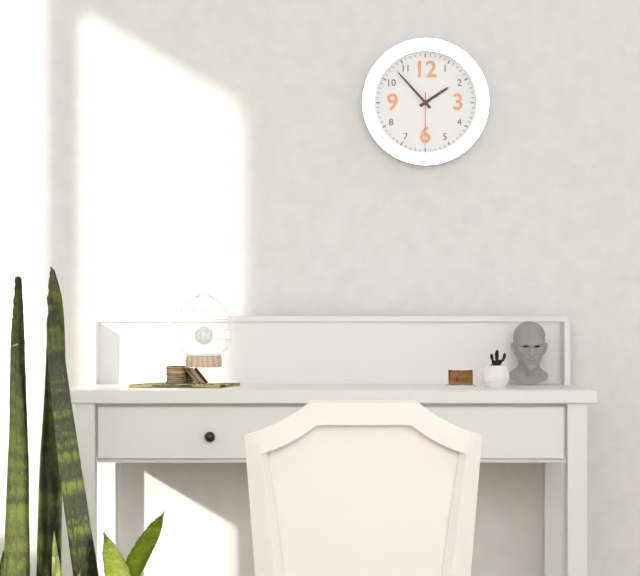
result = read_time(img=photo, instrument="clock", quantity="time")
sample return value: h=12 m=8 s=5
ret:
h=1 m=53 s=30
